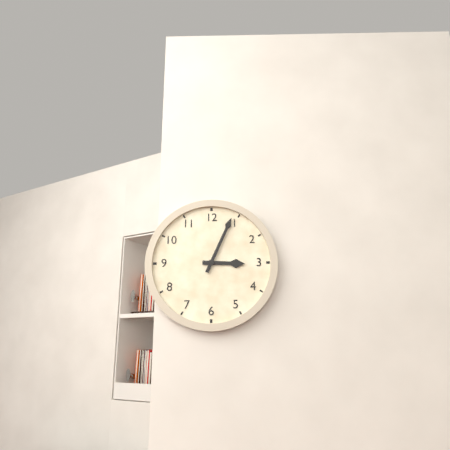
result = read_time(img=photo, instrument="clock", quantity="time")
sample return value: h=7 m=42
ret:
h=3 m=4
